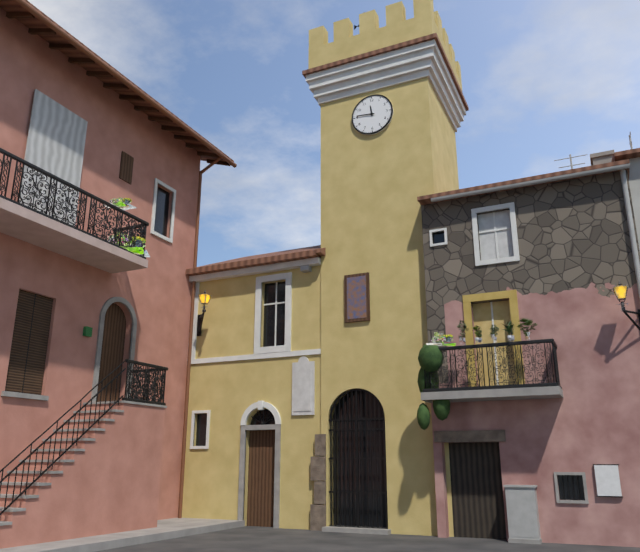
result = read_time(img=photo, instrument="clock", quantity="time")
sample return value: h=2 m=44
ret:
h=11 m=46
